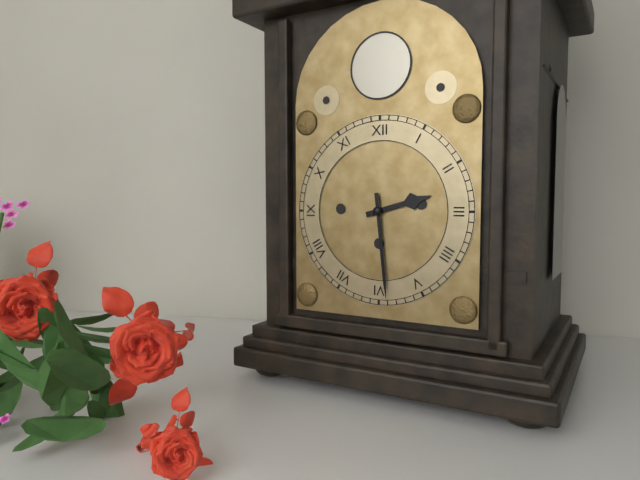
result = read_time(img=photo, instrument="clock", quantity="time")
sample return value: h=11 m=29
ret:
h=2 m=29
